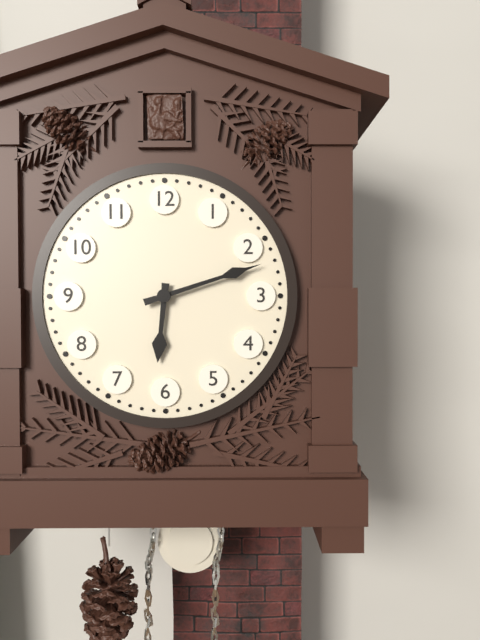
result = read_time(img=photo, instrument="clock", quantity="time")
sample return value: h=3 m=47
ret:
h=6 m=12
